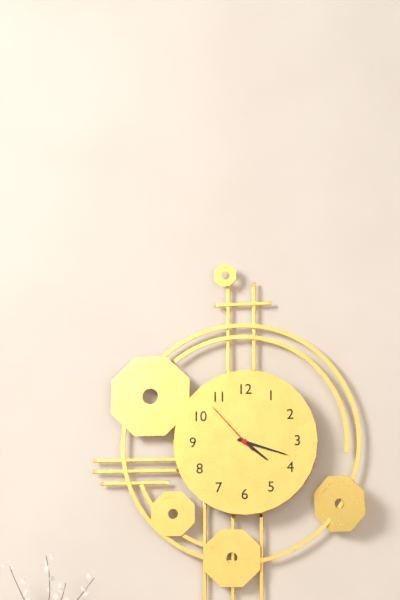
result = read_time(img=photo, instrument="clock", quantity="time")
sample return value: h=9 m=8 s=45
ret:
h=4 m=18 s=53
